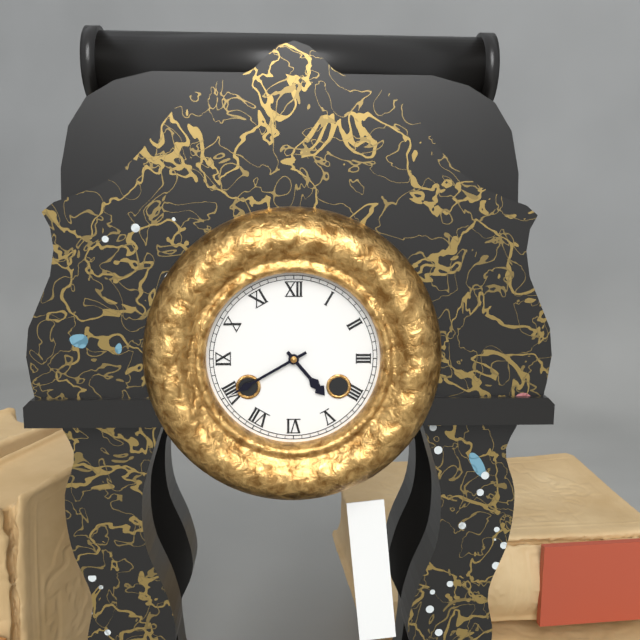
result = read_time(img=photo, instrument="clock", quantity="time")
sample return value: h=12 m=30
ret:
h=4 m=40
